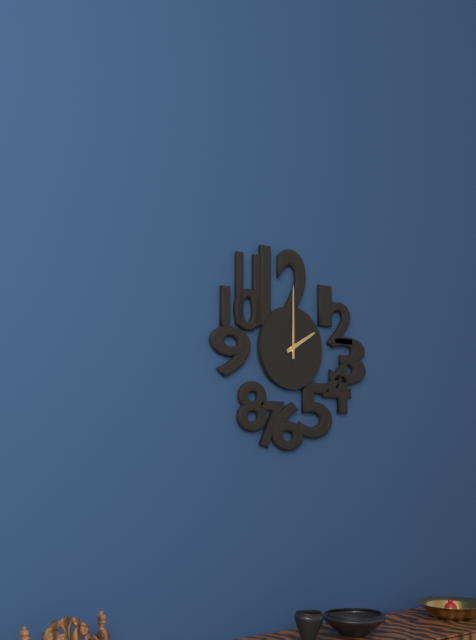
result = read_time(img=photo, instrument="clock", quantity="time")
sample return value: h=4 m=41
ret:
h=2 m=0
